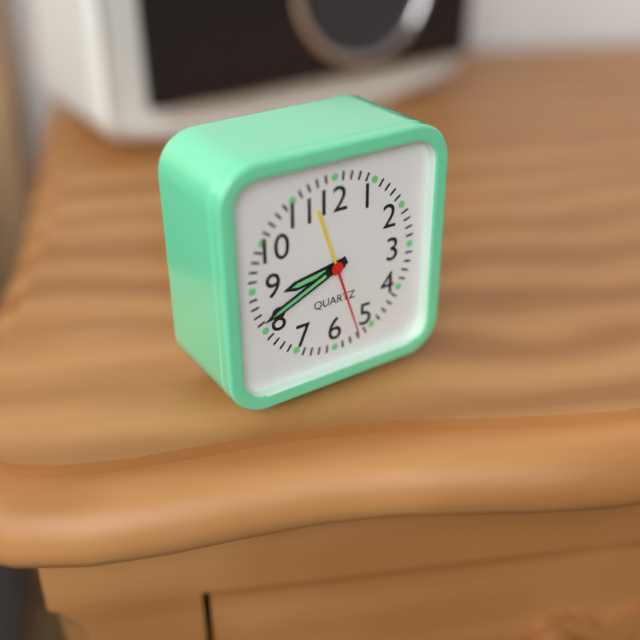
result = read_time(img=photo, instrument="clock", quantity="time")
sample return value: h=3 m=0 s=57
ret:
h=8 m=41 s=27
